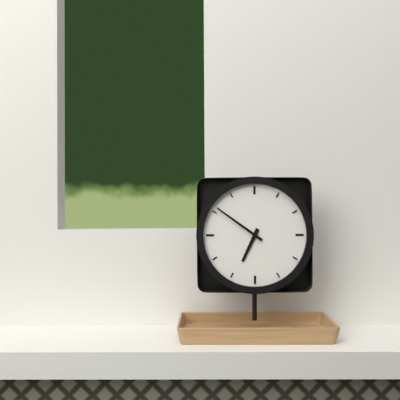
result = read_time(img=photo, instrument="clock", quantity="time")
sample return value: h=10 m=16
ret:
h=6 m=51
